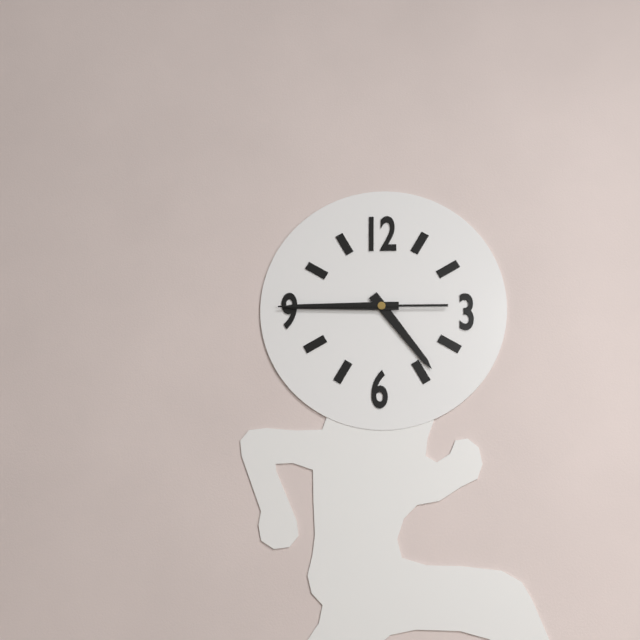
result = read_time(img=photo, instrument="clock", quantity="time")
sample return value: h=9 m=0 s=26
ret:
h=4 m=45 s=45
